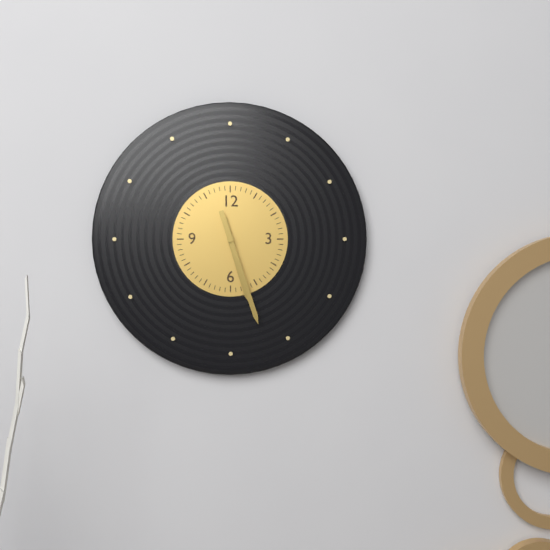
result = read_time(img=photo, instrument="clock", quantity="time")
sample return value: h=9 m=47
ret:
h=5 m=27
